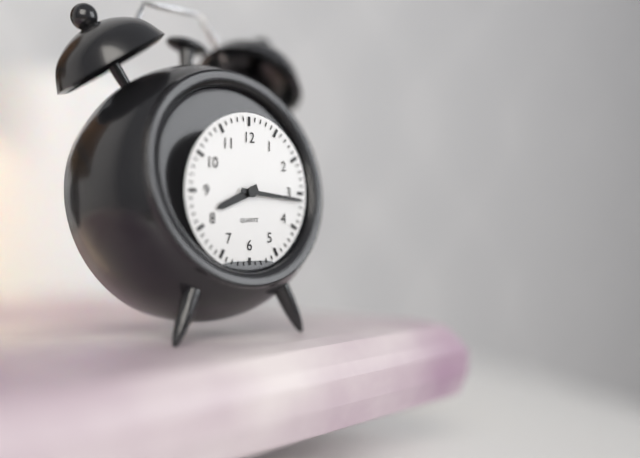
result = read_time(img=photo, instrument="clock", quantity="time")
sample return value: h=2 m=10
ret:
h=8 m=16
